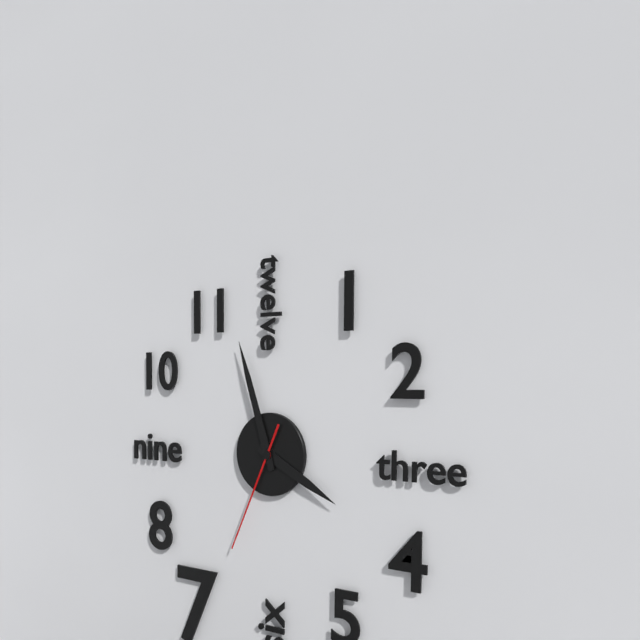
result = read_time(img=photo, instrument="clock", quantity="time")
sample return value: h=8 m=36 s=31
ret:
h=3 m=57 s=34
